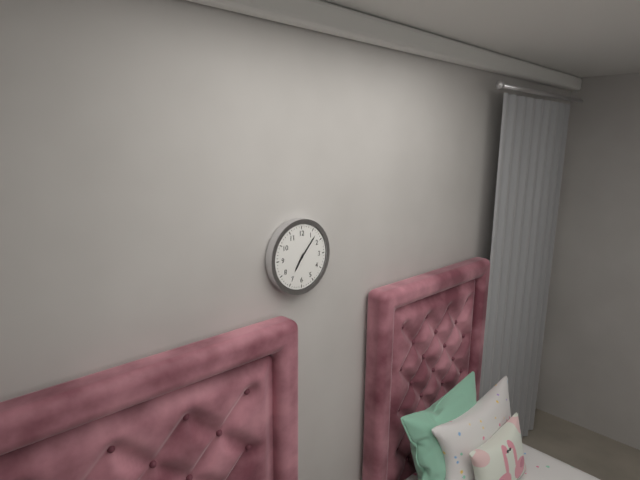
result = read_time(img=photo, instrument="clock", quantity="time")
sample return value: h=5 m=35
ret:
h=7 m=7
